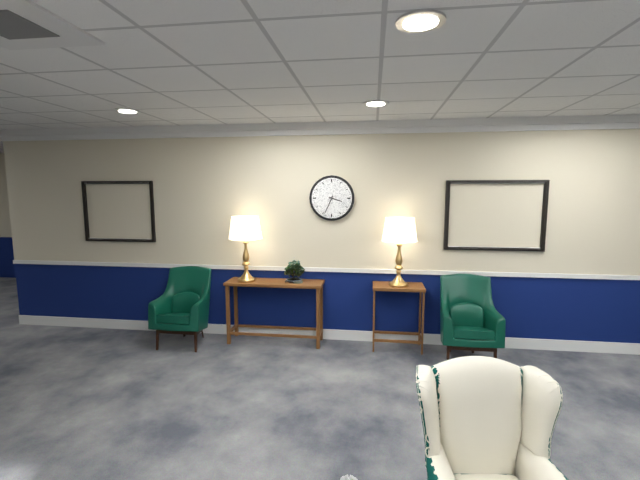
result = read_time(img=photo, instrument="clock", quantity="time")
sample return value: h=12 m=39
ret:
h=3 m=34
